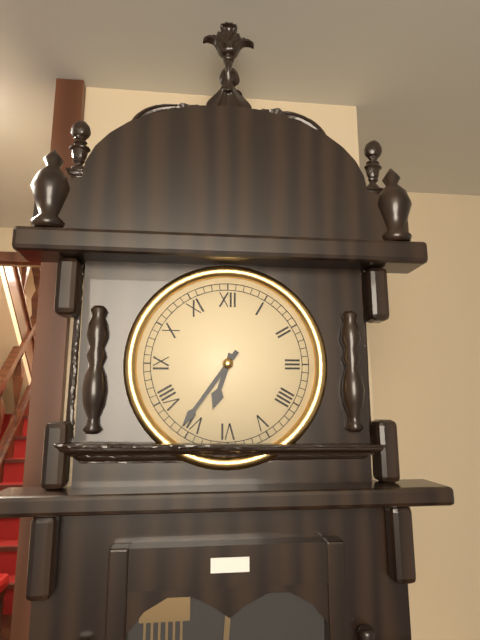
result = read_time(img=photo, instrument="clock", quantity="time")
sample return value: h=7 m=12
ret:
h=6 m=36
